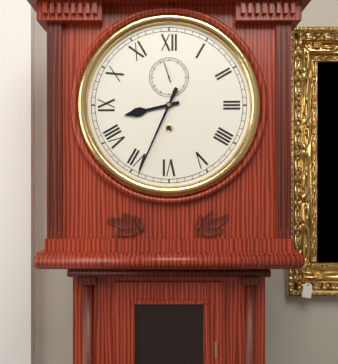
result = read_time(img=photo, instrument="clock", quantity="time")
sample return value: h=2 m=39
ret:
h=8 m=34
